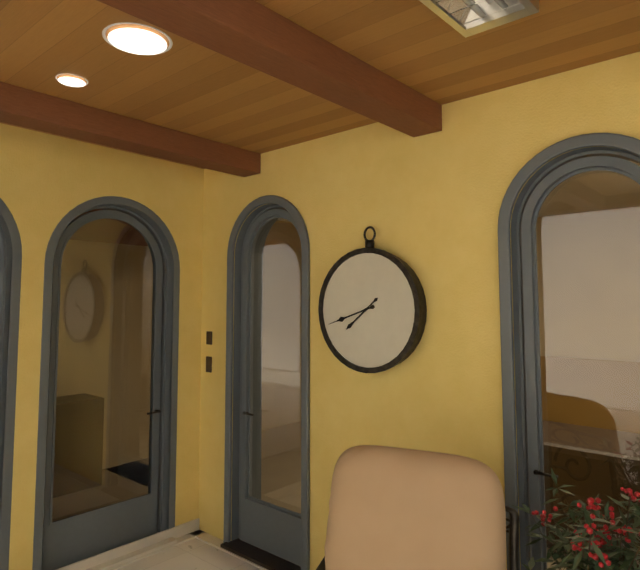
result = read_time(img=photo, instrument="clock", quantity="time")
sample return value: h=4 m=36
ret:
h=7 m=42
